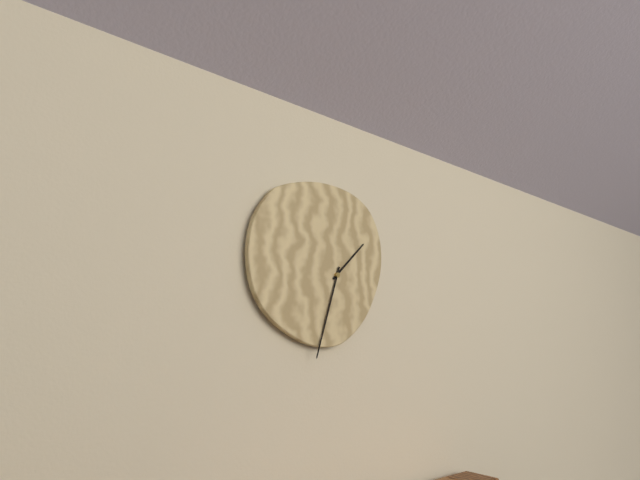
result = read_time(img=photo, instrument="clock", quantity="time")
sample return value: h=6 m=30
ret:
h=1 m=33
